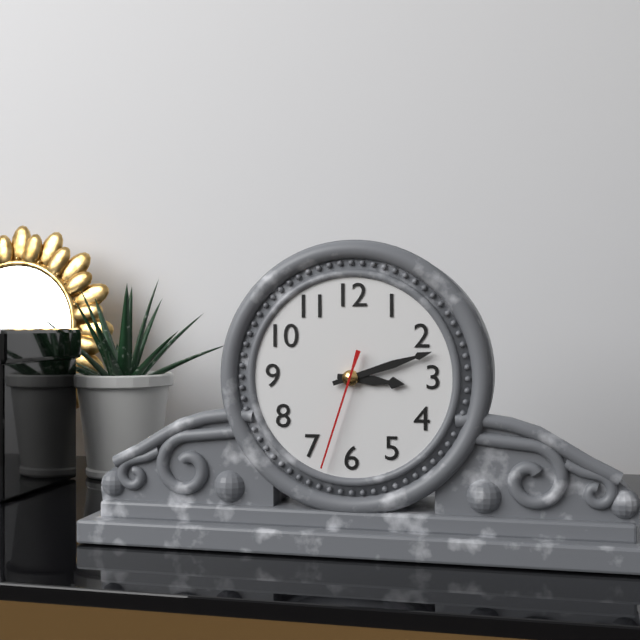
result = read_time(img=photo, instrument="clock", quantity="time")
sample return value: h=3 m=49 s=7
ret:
h=3 m=12 s=33
